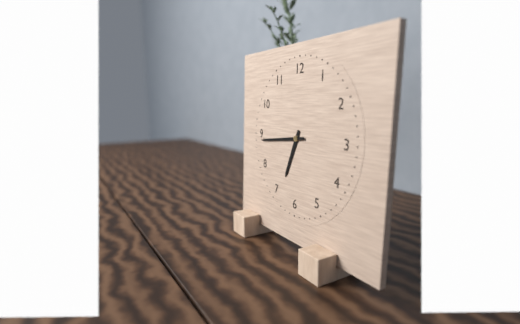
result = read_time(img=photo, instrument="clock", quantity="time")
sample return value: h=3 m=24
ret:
h=6 m=44
